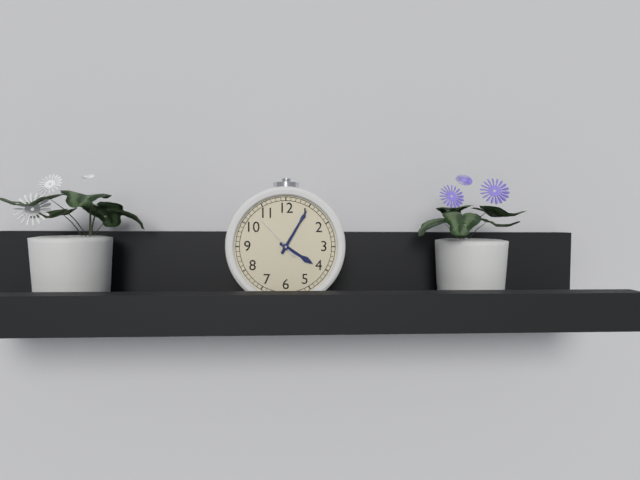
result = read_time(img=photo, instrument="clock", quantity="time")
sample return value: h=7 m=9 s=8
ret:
h=4 m=5 s=53
